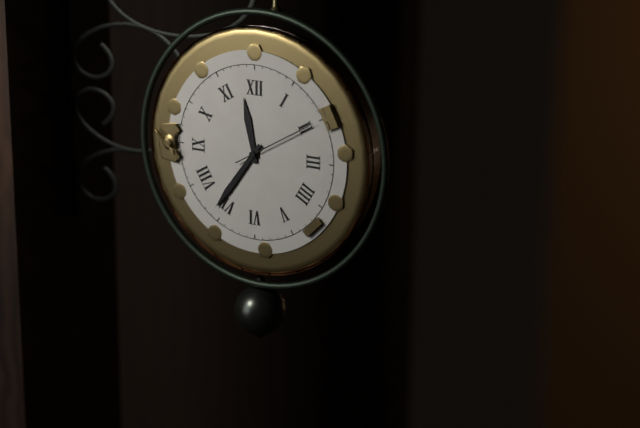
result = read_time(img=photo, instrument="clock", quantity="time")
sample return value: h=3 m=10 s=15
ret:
h=11 m=36 s=10
